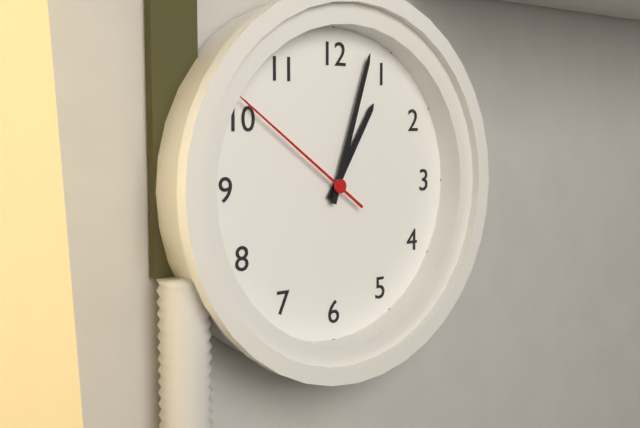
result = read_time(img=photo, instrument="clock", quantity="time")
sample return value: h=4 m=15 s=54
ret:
h=1 m=3 s=51
